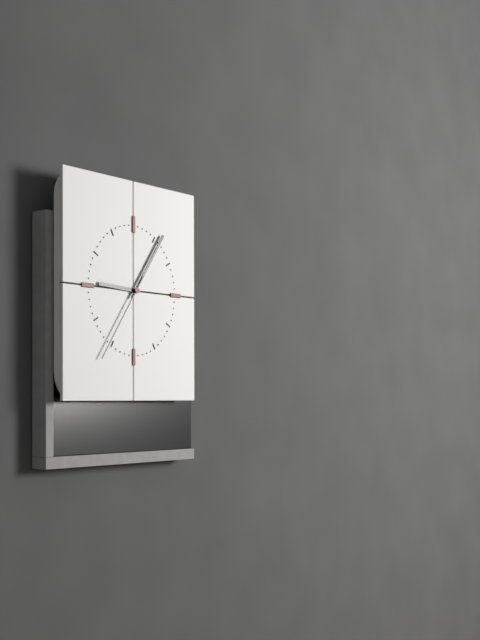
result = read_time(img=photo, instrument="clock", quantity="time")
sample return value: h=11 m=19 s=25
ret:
h=9 m=6 s=36
